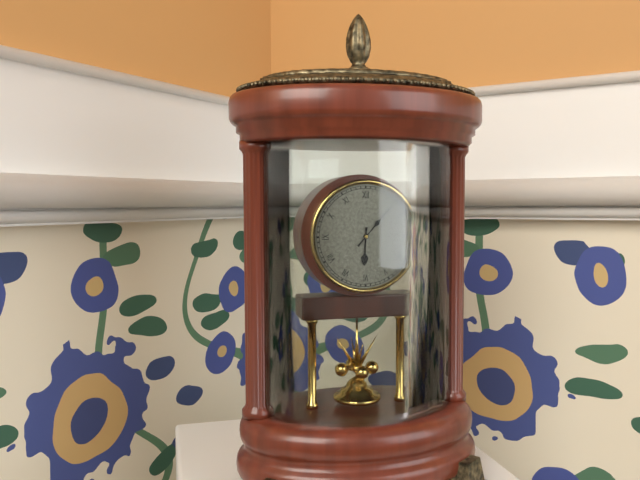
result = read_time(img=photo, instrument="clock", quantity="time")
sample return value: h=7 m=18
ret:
h=6 m=7
